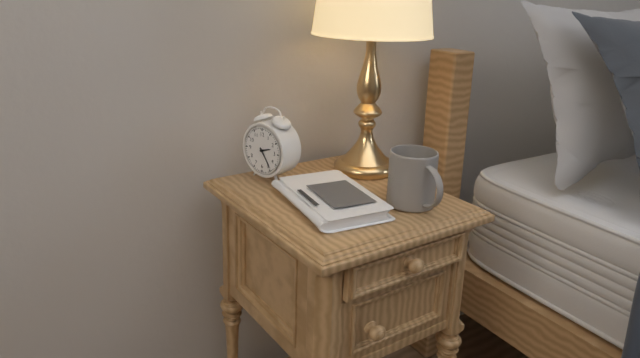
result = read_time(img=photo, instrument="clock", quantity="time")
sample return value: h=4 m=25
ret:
h=2 m=24
